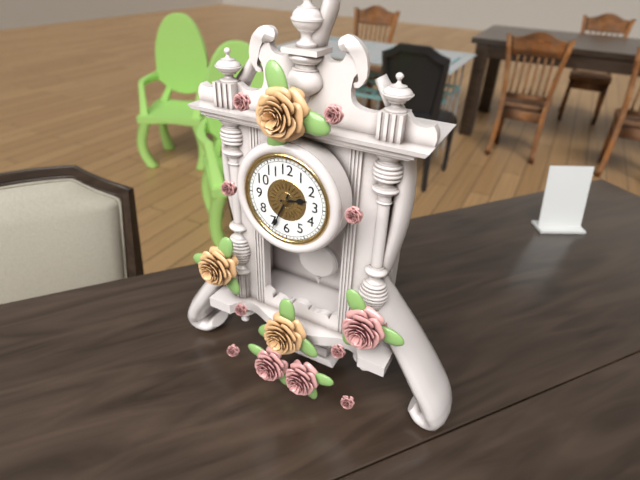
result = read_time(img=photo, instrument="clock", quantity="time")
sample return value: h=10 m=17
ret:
h=2 m=34
